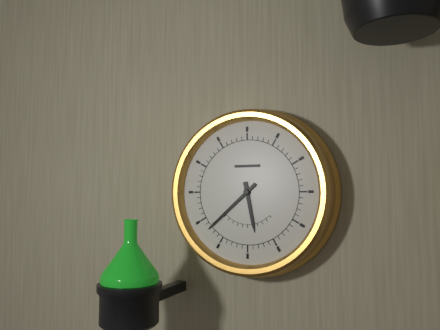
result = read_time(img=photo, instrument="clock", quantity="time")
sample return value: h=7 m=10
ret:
h=5 m=38
